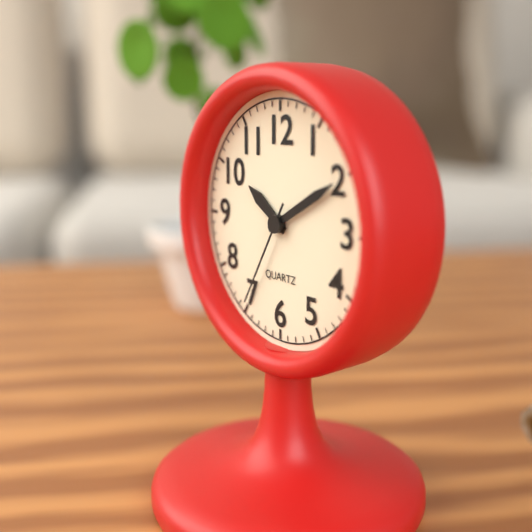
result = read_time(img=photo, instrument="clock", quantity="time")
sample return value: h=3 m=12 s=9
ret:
h=10 m=10 s=35
